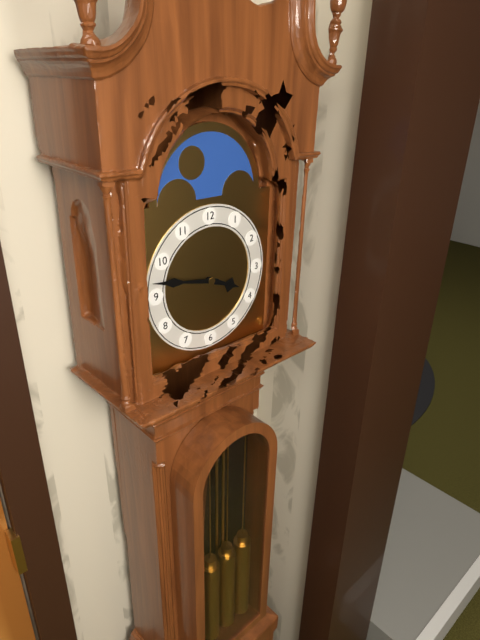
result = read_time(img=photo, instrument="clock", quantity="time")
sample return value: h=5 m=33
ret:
h=3 m=47
